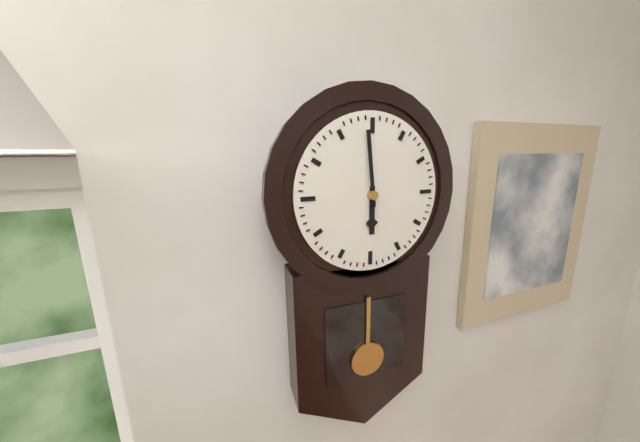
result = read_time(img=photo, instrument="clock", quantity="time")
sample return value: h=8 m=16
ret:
h=5 m=59
